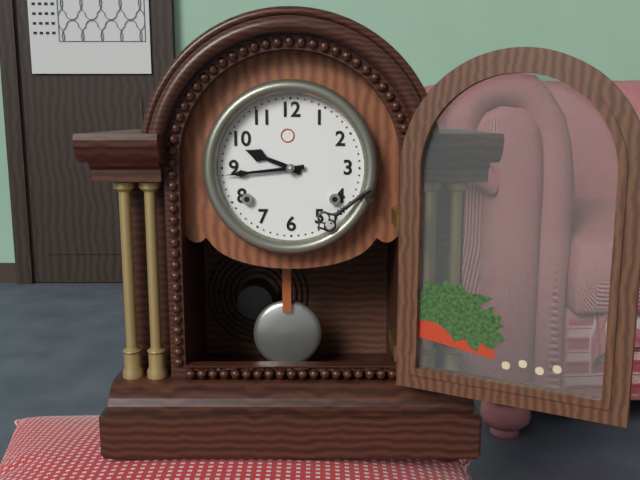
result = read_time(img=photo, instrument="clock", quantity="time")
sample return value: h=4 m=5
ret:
h=9 m=44
